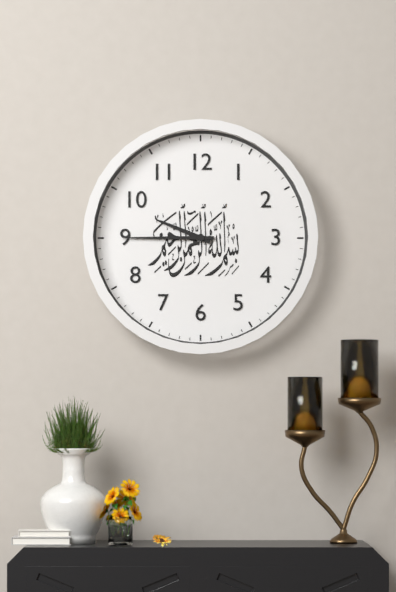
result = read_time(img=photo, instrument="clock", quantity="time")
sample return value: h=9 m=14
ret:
h=9 m=45
